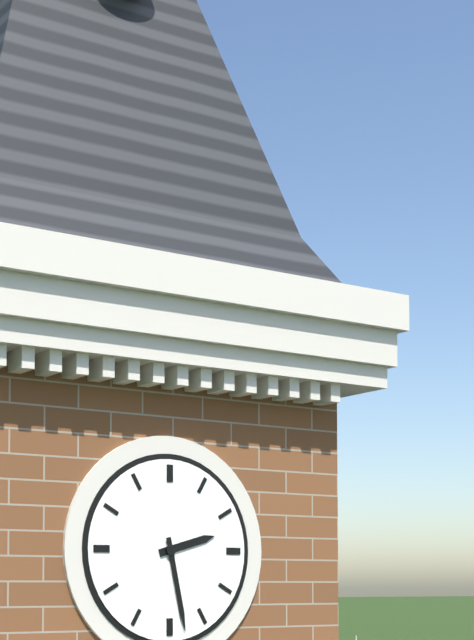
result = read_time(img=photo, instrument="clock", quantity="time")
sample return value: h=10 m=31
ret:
h=2 m=28
